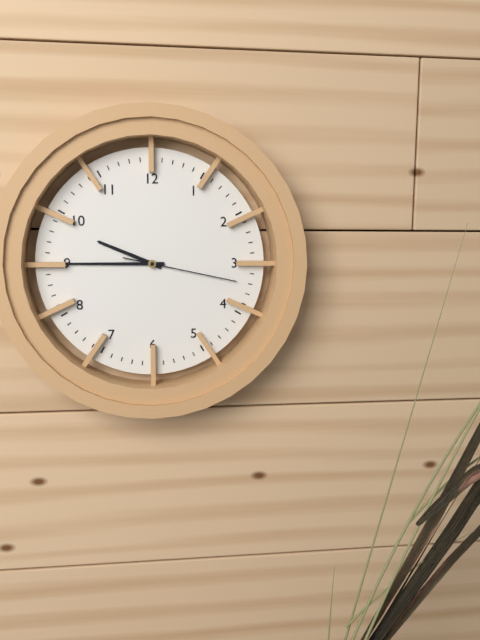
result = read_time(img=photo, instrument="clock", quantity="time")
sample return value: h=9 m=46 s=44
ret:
h=9 m=45 s=17
